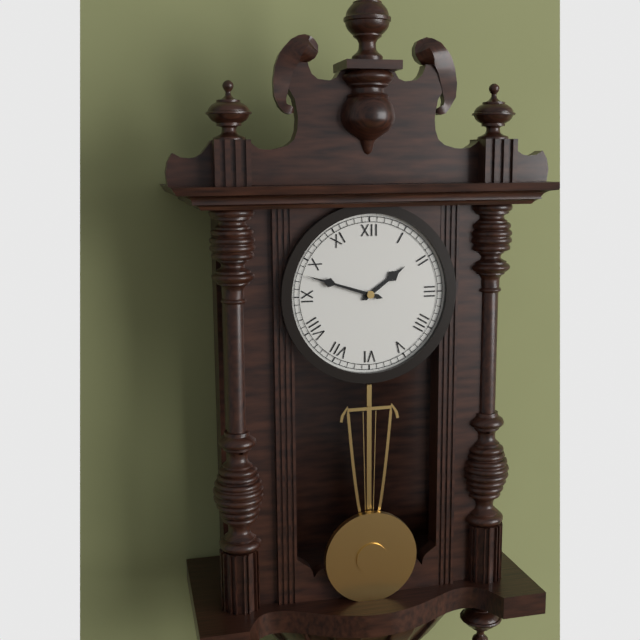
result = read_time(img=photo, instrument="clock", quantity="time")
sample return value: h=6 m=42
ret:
h=1 m=48
